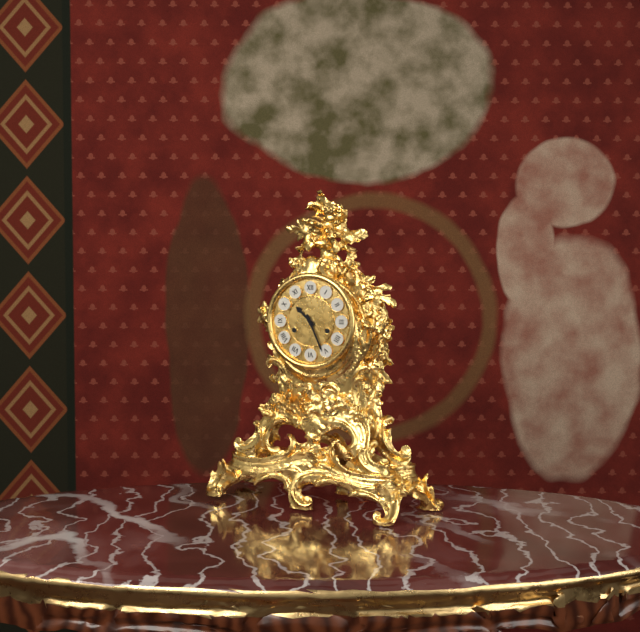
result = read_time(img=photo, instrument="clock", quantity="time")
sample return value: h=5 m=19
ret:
h=10 m=26
